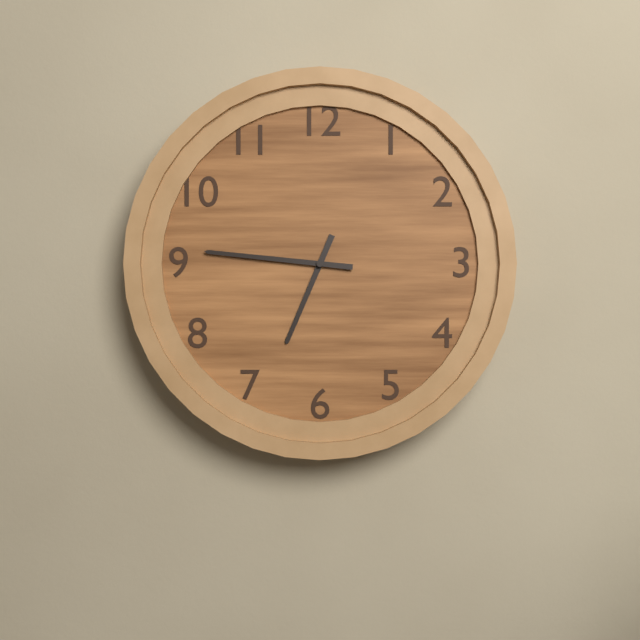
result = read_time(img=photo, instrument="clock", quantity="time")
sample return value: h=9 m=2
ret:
h=6 m=46
